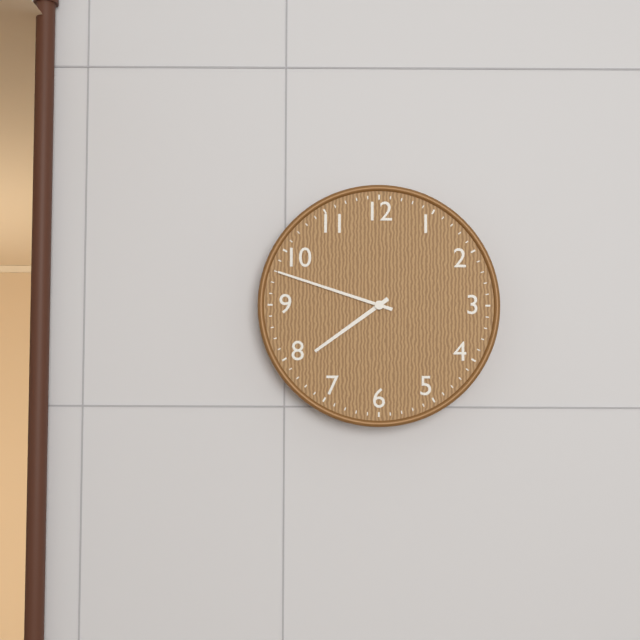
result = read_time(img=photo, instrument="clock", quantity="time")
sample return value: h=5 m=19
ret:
h=7 m=48
